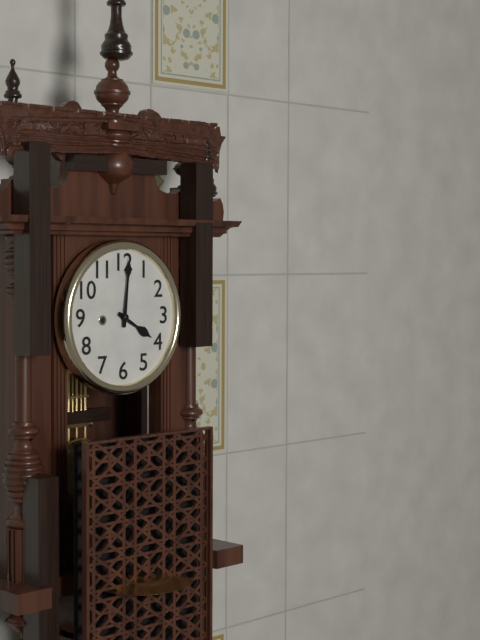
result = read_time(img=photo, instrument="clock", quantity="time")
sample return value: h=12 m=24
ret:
h=4 m=1
